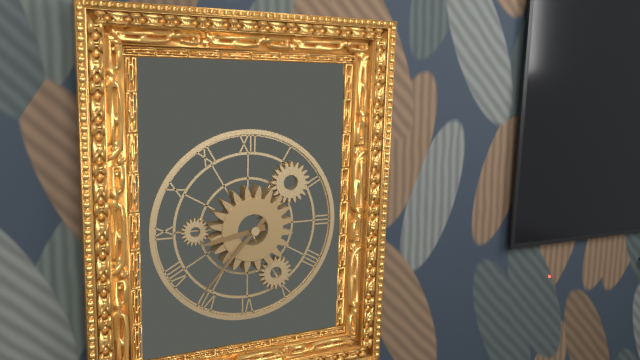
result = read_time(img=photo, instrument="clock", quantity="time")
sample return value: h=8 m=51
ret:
h=8 m=37
